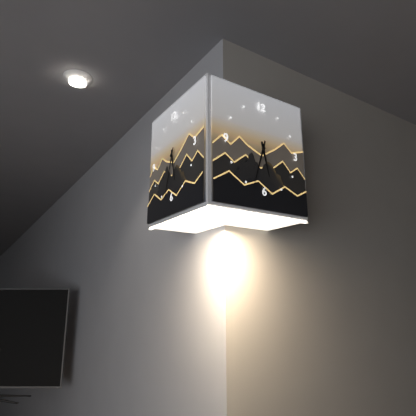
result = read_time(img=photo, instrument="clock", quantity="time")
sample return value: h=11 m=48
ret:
h=5 m=33
